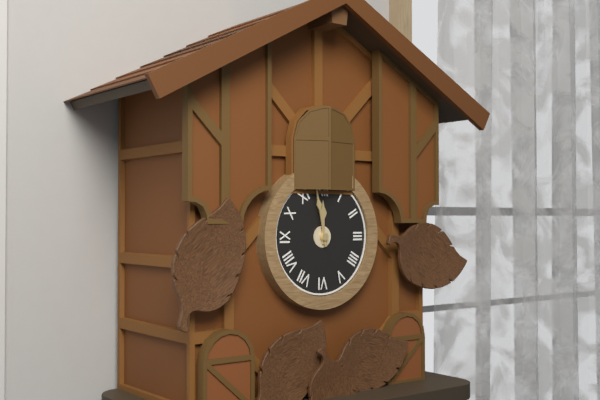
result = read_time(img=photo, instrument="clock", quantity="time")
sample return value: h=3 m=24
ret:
h=11 m=58
